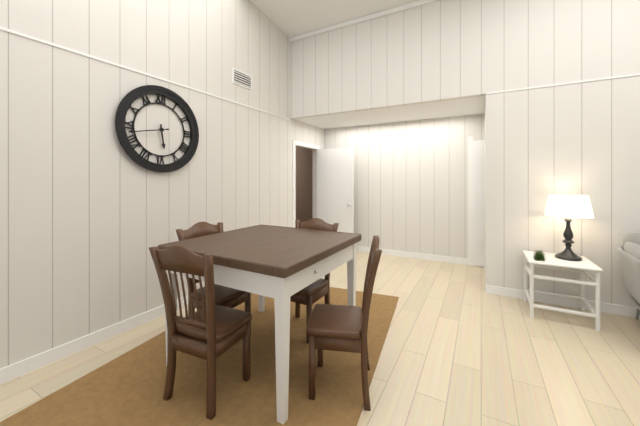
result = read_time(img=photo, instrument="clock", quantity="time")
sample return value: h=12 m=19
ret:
h=5 m=43
